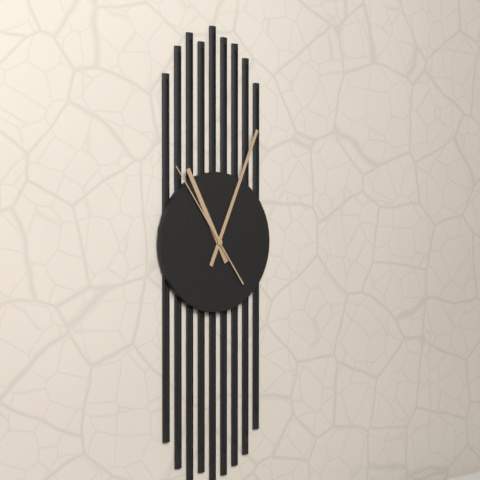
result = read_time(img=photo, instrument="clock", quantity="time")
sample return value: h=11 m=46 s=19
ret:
h=11 m=4 s=54
